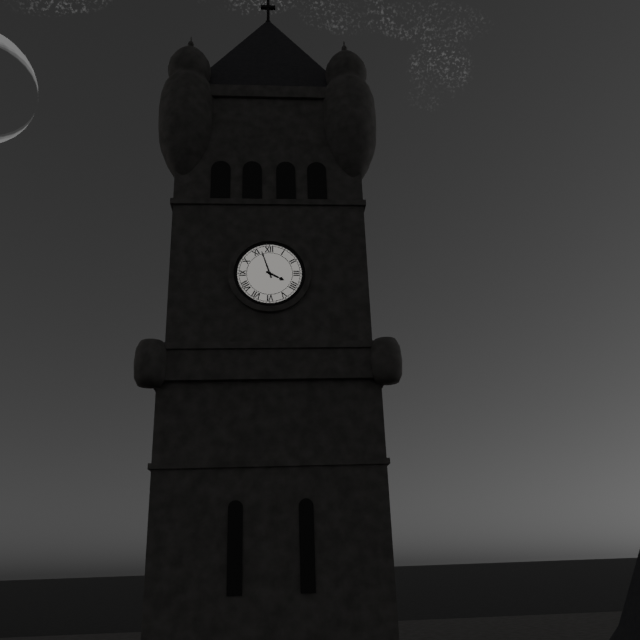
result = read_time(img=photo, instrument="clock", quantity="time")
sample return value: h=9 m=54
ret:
h=3 m=57
